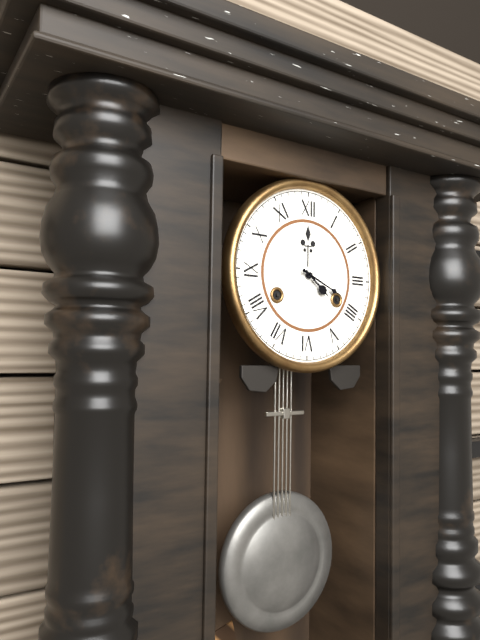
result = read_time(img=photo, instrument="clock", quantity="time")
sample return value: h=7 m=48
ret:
h=4 m=19
